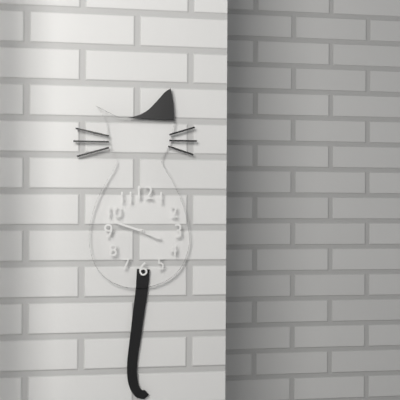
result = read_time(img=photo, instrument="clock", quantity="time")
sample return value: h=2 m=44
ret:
h=3 m=48
